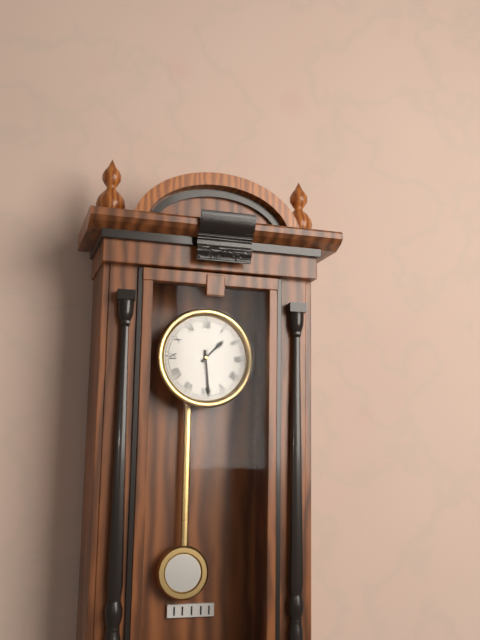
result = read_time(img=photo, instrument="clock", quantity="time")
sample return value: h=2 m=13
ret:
h=1 m=29
